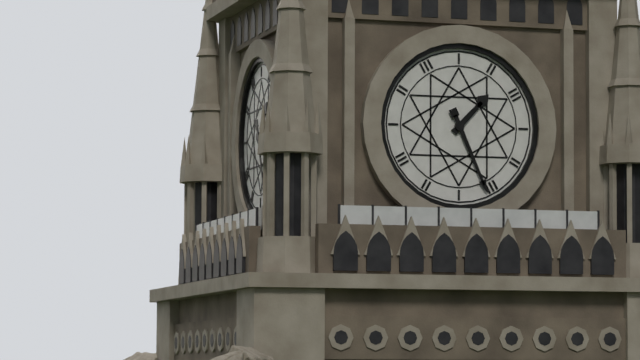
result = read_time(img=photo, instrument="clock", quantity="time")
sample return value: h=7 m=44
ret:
h=1 m=26
